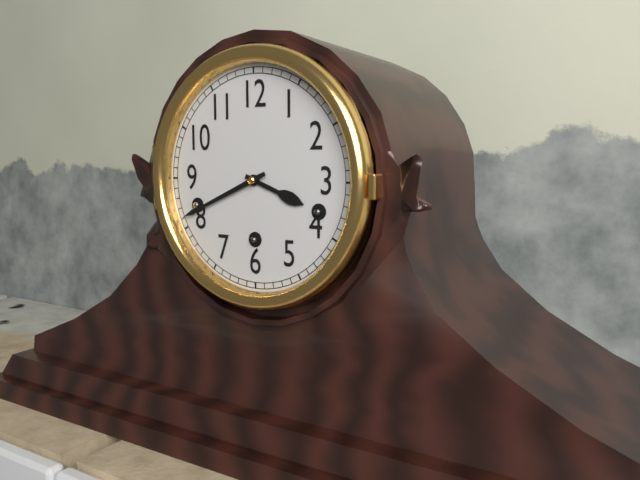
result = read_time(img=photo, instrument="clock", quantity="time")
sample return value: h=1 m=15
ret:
h=3 m=41
